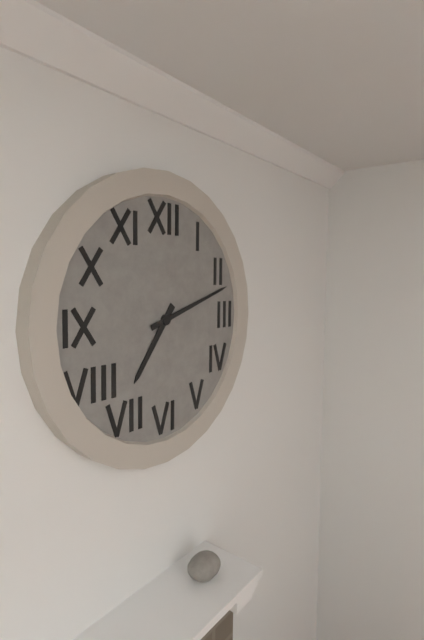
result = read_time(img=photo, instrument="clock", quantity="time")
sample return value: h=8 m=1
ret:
h=7 m=12
